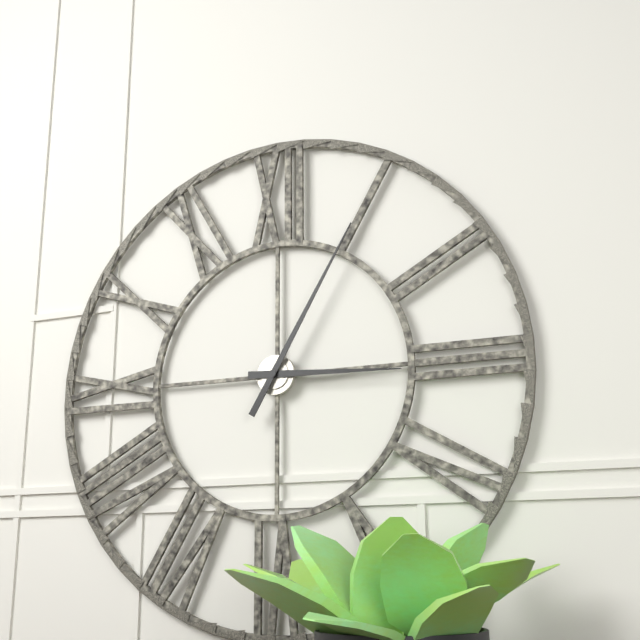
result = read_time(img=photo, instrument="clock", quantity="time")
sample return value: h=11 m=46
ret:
h=3 m=5
